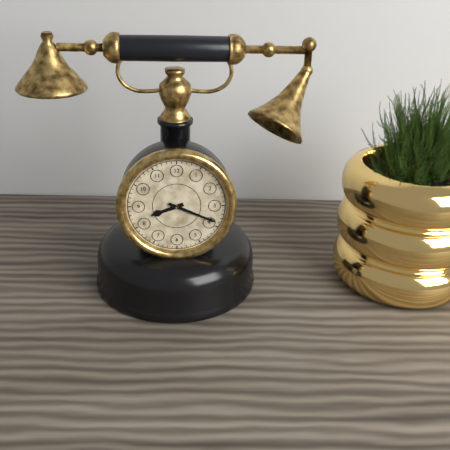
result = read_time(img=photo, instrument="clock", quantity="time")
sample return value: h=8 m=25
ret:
h=8 m=19
